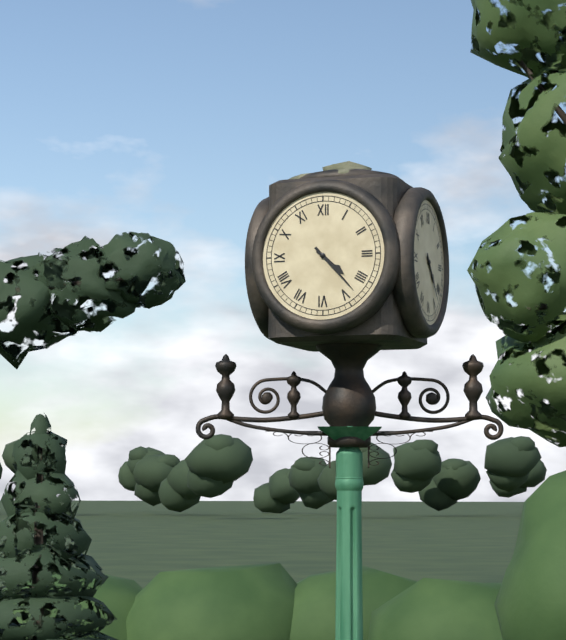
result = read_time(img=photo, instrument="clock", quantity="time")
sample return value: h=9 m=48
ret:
h=4 m=23
